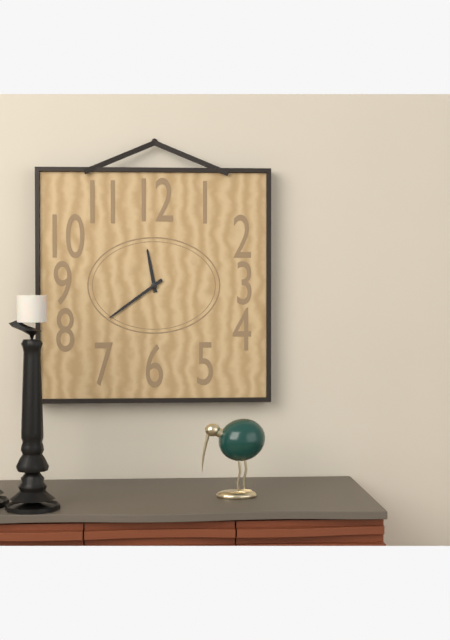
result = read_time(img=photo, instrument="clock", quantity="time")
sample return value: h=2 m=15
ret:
h=11 m=39
